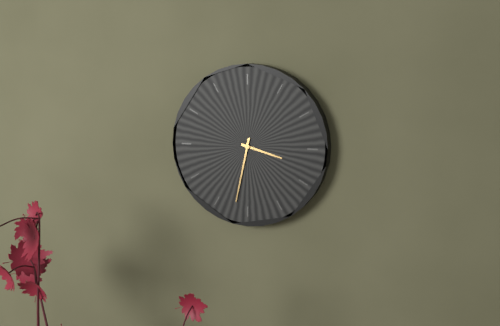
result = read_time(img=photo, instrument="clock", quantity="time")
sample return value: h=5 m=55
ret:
h=3 m=32
